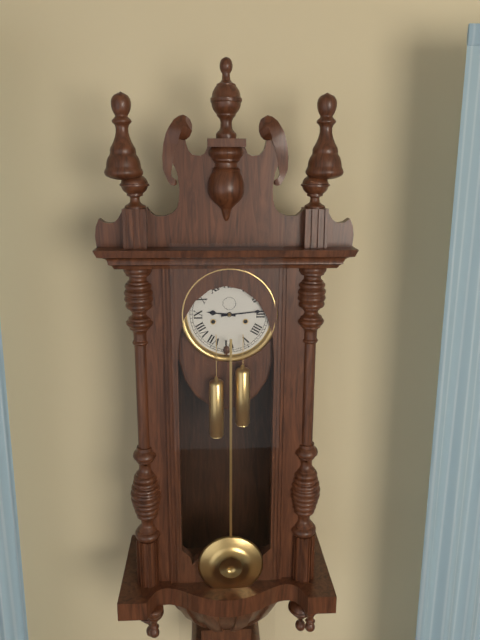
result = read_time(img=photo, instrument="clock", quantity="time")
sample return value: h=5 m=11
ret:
h=9 m=14
